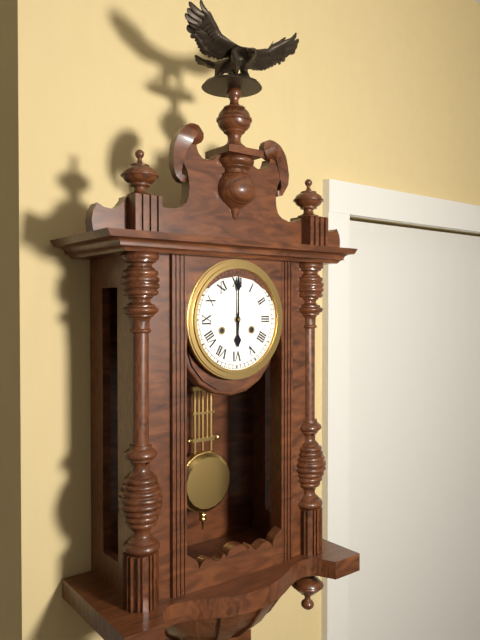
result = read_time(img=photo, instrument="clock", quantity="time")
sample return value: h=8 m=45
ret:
h=6 m=0
